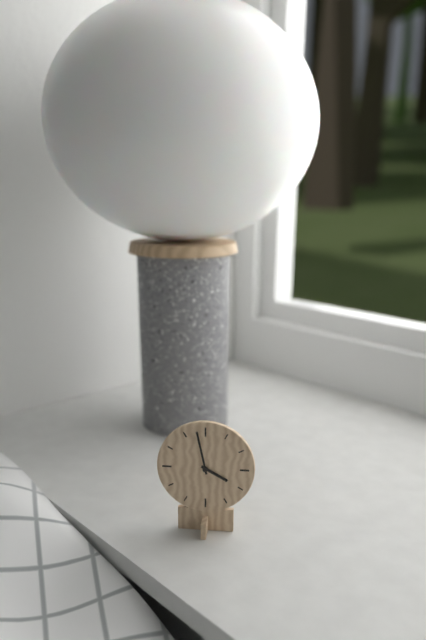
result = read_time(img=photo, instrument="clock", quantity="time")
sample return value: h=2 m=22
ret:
h=3 m=58
